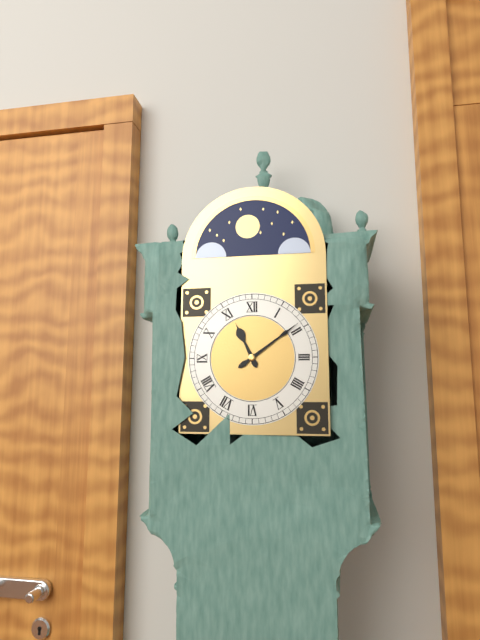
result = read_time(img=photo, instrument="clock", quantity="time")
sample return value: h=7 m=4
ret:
h=11 m=9
